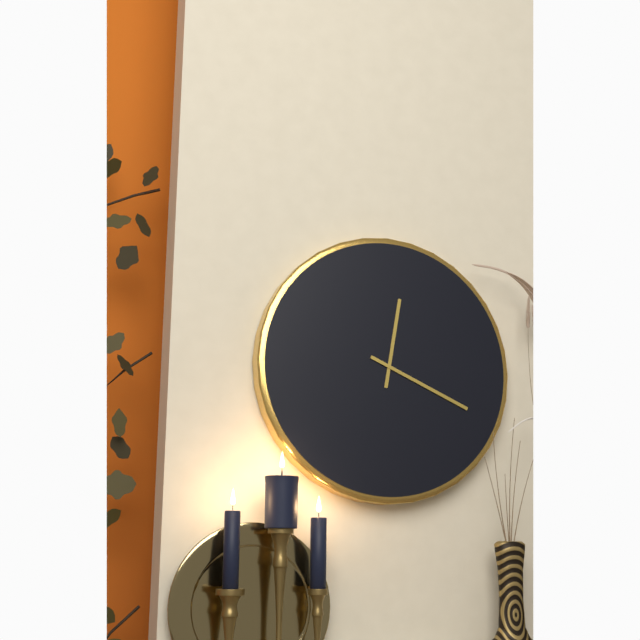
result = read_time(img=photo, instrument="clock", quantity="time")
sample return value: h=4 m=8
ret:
h=12 m=19
